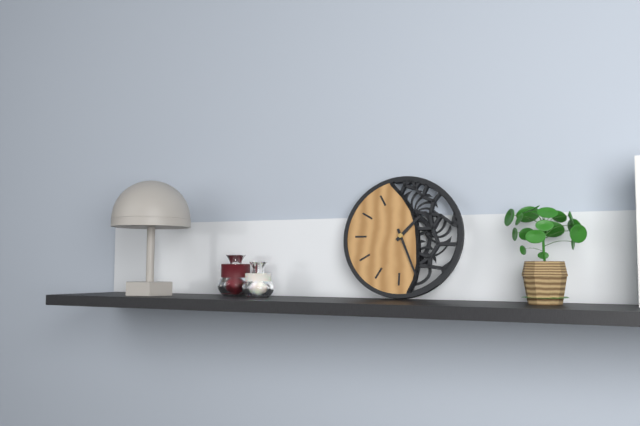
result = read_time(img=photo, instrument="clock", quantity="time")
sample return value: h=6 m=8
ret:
h=1 m=26
